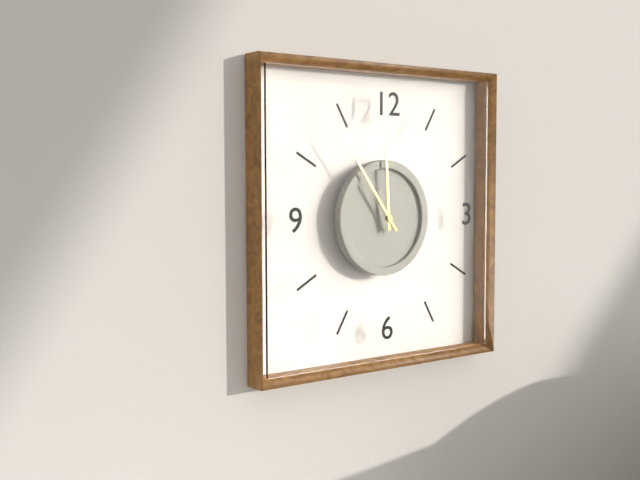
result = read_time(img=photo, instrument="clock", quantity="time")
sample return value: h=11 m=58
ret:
h=11 m=54
